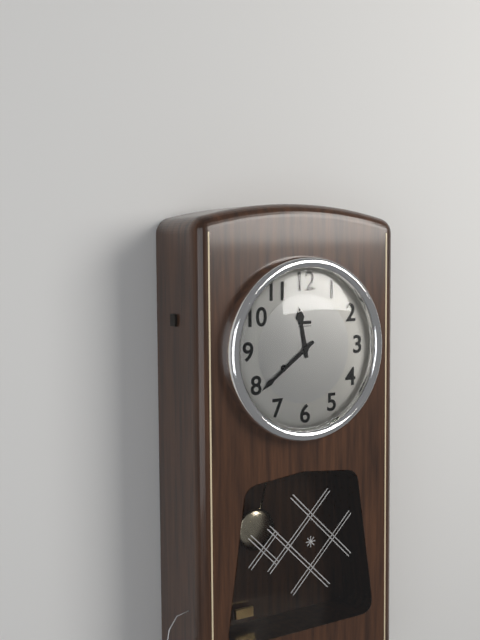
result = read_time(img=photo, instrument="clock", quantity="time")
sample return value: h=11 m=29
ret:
h=11 m=39
